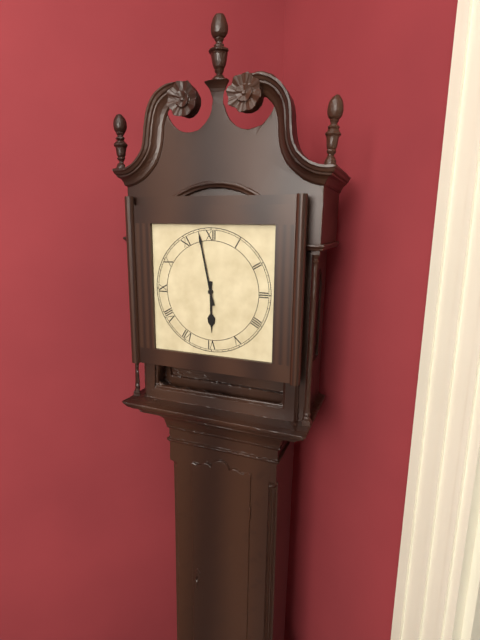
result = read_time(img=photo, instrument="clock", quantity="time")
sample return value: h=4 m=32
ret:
h=5 m=58
